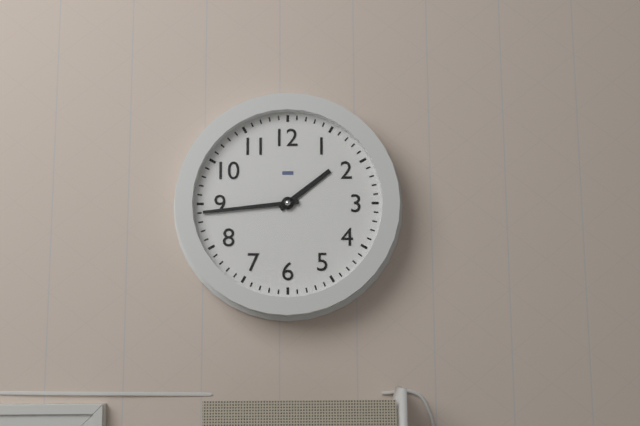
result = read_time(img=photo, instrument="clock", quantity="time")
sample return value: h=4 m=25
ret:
h=1 m=44
